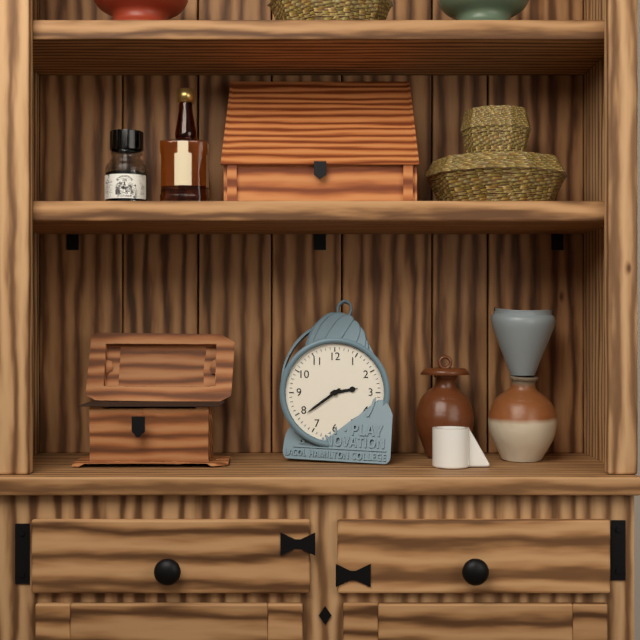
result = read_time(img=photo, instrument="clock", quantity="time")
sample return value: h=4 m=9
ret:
h=2 m=39
